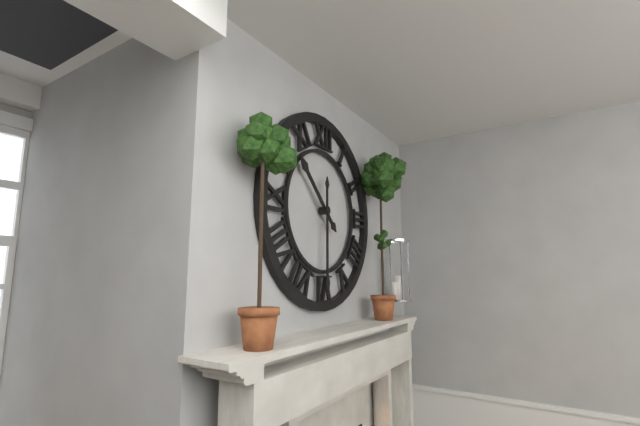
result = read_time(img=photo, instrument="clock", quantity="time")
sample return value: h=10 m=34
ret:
h=10 m=30
